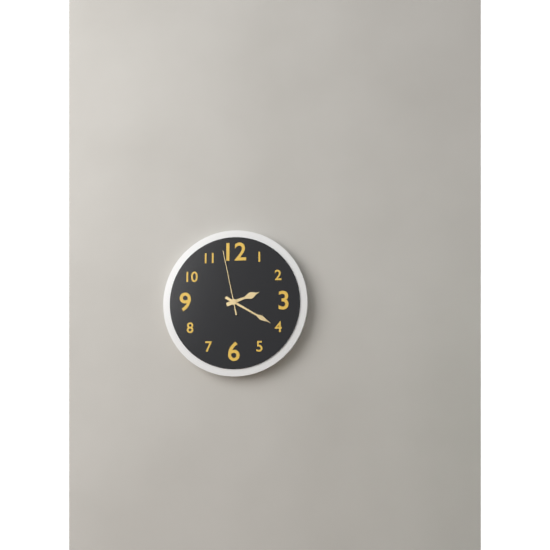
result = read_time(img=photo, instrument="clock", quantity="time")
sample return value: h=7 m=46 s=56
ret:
h=2 m=20 s=58
